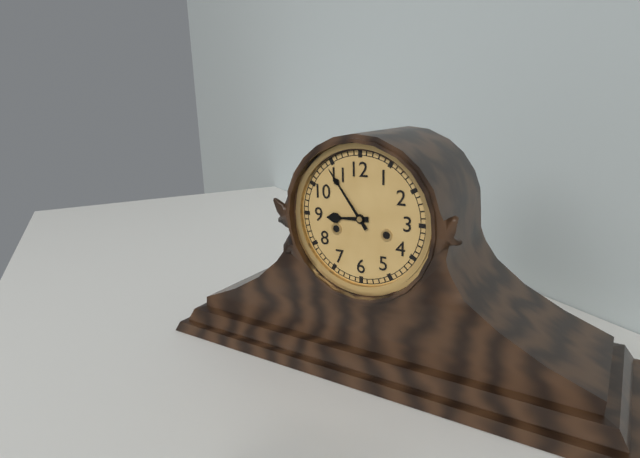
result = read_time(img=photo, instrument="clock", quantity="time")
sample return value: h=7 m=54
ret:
h=8 m=54
